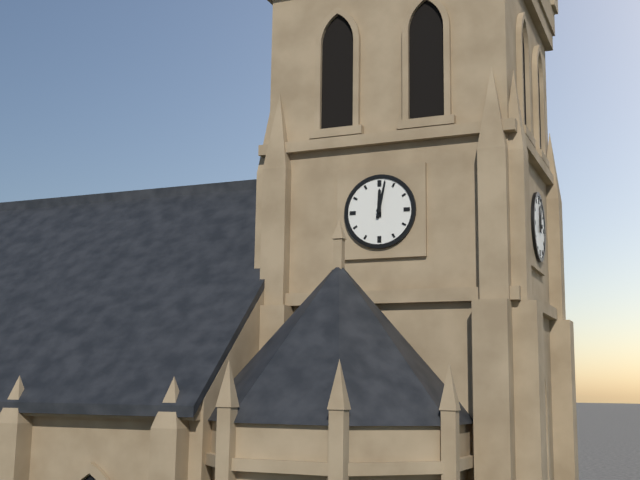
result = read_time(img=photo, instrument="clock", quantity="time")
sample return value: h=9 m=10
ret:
h=12 m=2
